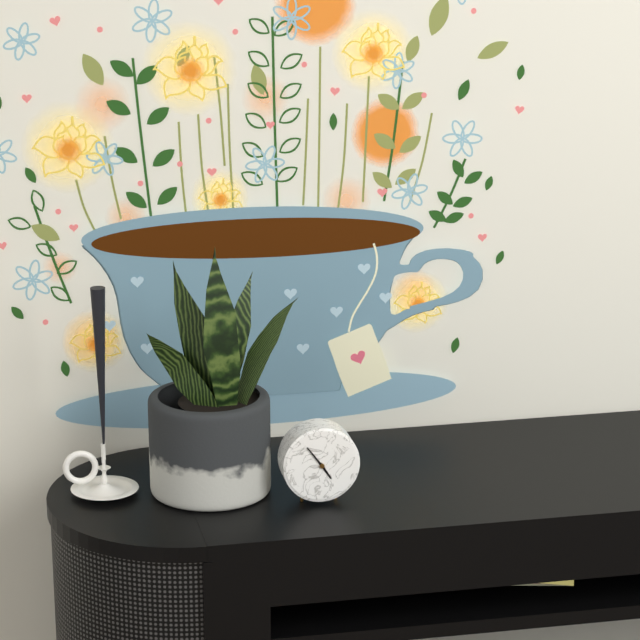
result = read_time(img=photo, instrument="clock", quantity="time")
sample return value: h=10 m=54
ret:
h=4 m=54
